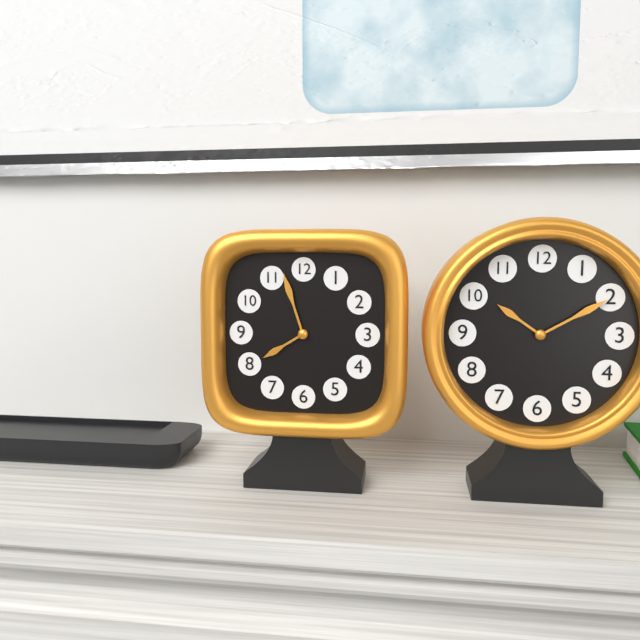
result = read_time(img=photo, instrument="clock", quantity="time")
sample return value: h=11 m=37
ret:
h=7 m=57
